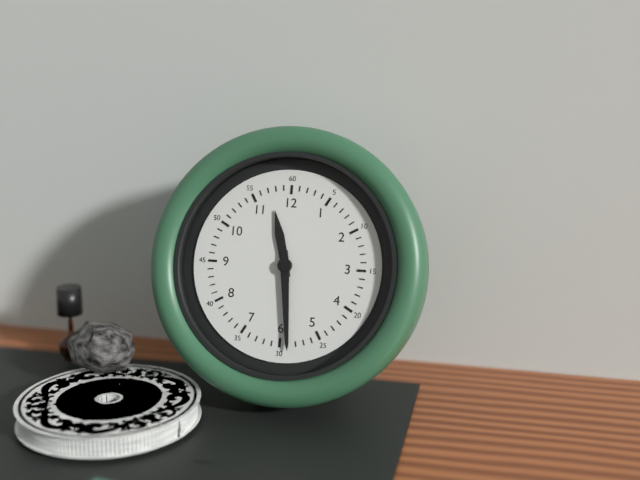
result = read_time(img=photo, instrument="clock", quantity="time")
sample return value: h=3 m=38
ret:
h=11 m=29
